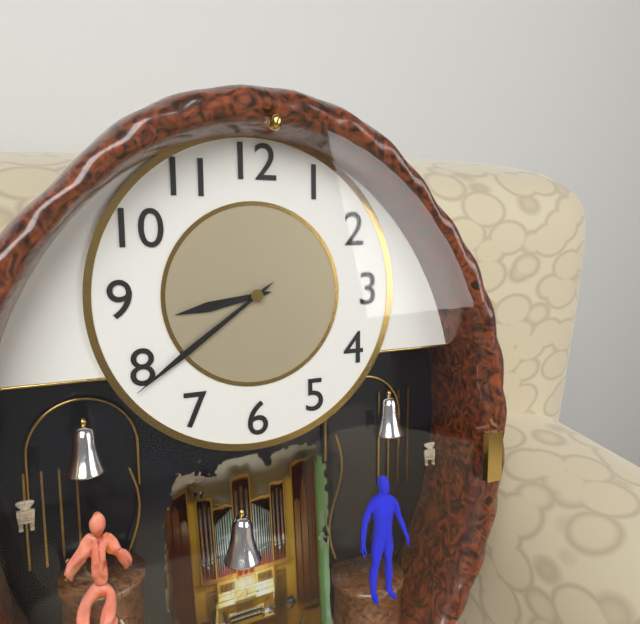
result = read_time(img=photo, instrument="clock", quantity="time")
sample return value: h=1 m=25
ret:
h=8 m=39
